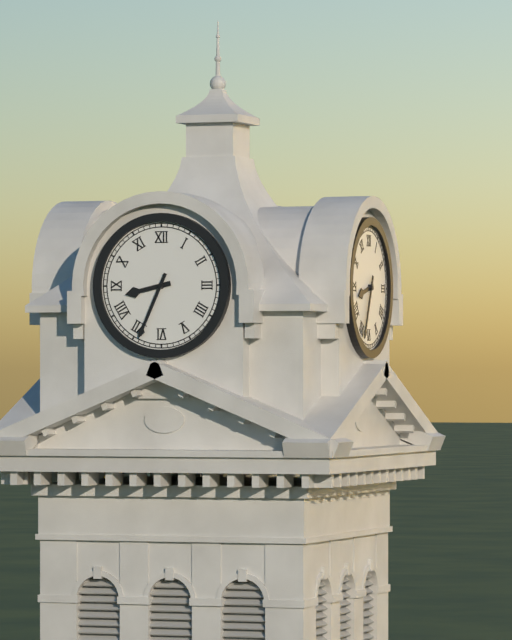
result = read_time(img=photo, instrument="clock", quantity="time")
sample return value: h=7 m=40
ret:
h=8 m=34
